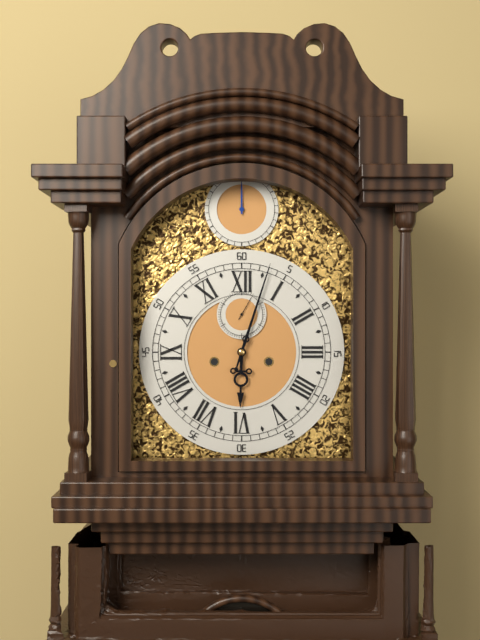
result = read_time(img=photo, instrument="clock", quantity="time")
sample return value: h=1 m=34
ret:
h=6 m=3
